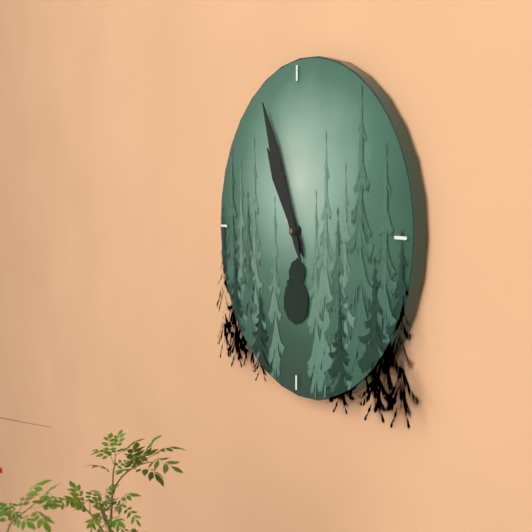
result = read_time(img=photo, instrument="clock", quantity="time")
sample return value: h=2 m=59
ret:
h=10 m=56
